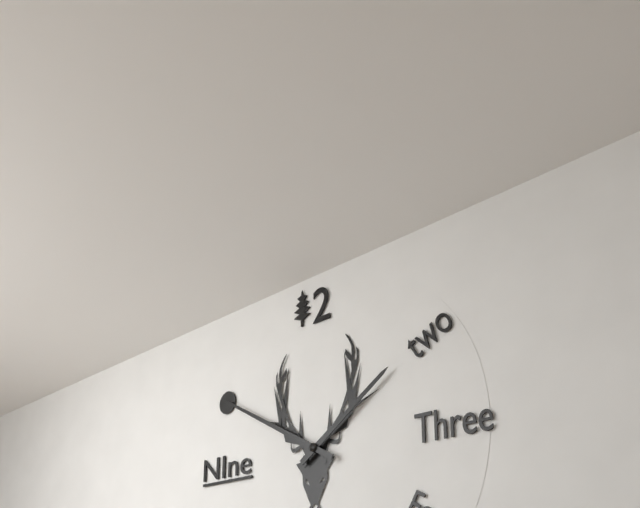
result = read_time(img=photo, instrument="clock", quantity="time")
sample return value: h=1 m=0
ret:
h=1 m=50
